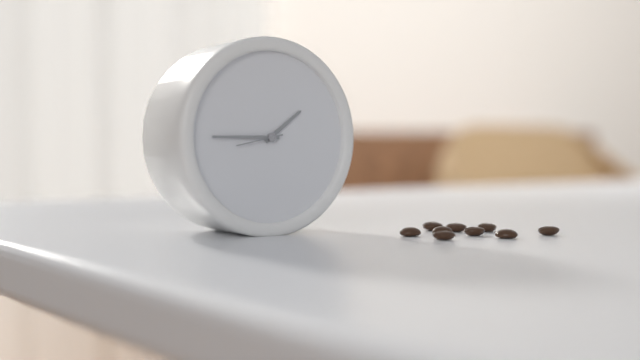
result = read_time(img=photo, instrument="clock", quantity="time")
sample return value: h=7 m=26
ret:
h=1 m=45
